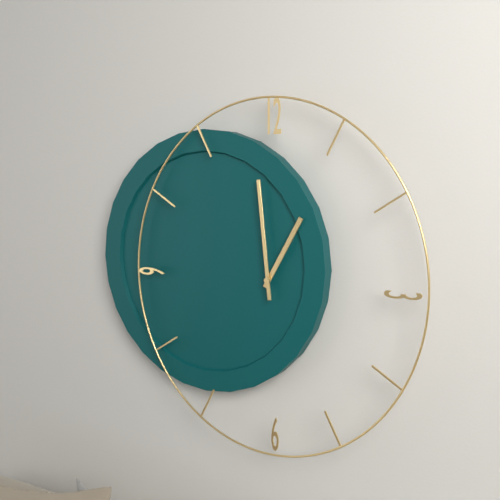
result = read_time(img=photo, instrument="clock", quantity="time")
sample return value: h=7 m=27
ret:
h=12 m=59
